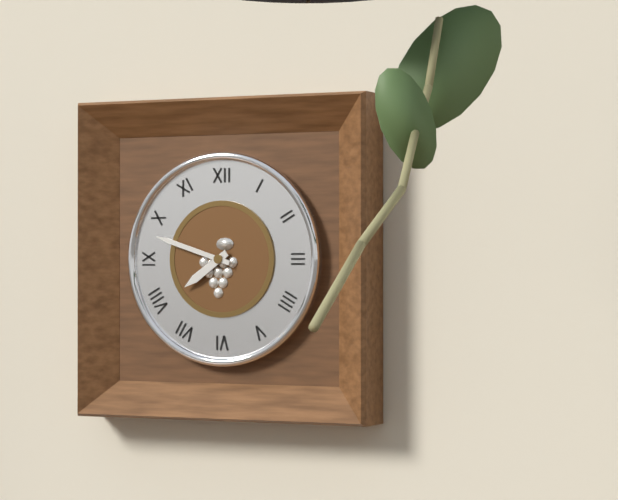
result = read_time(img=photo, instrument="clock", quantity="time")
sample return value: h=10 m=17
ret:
h=7 m=48
